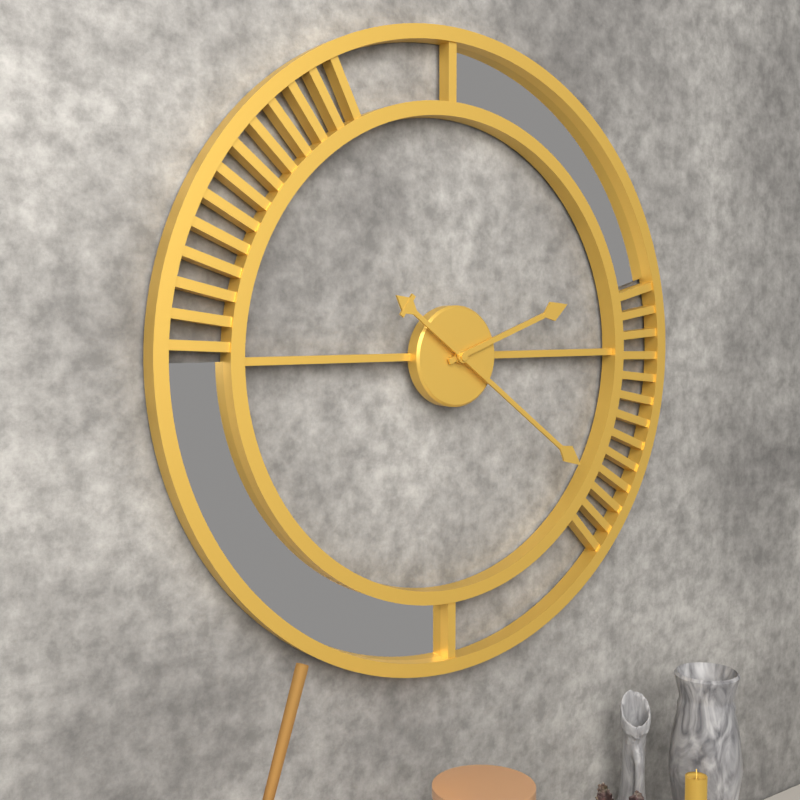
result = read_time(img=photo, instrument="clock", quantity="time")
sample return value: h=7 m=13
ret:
h=2 m=21
